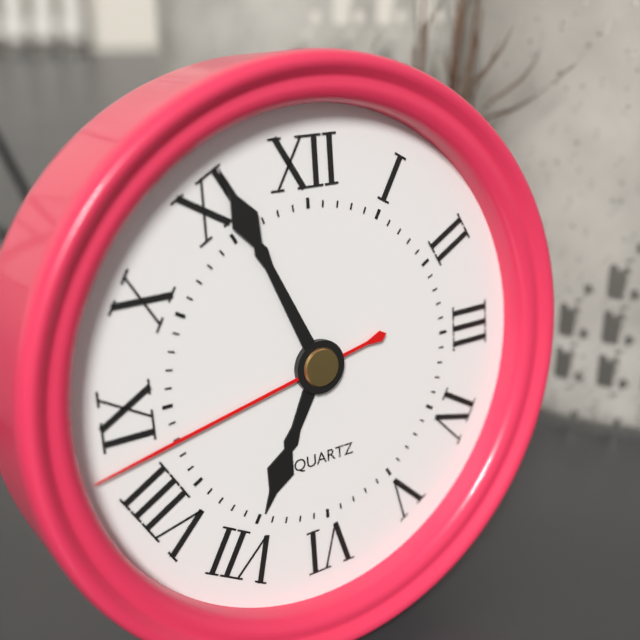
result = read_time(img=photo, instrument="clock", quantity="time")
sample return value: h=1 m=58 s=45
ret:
h=6 m=56 s=43
